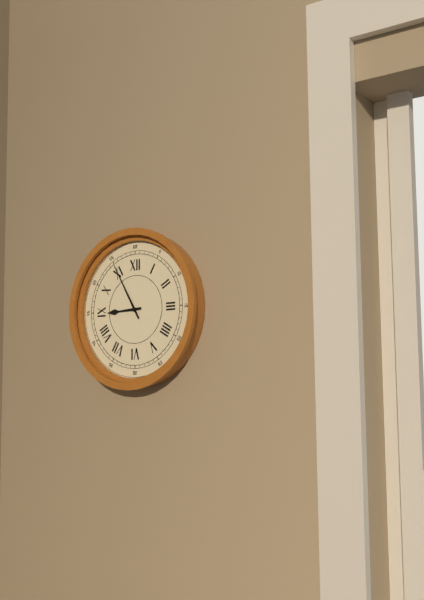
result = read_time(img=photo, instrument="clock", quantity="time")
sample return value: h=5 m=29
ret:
h=8 m=55
